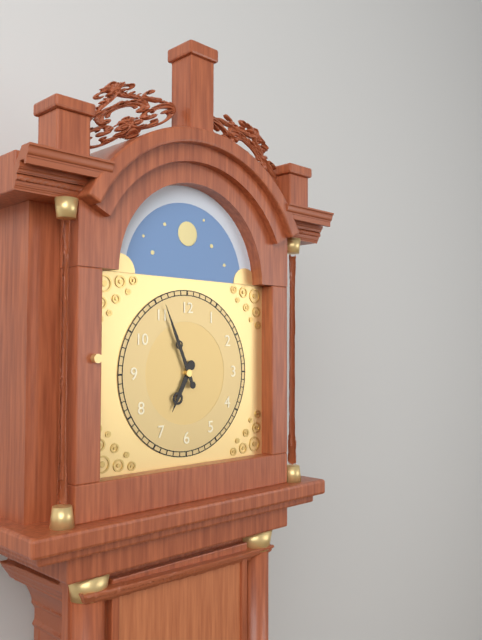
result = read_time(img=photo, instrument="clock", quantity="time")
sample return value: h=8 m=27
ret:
h=6 m=56
